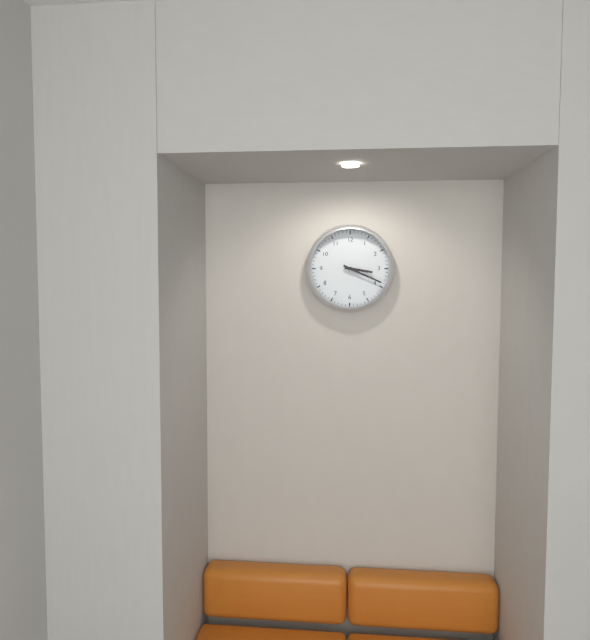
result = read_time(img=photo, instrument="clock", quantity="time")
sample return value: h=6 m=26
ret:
h=3 m=19
